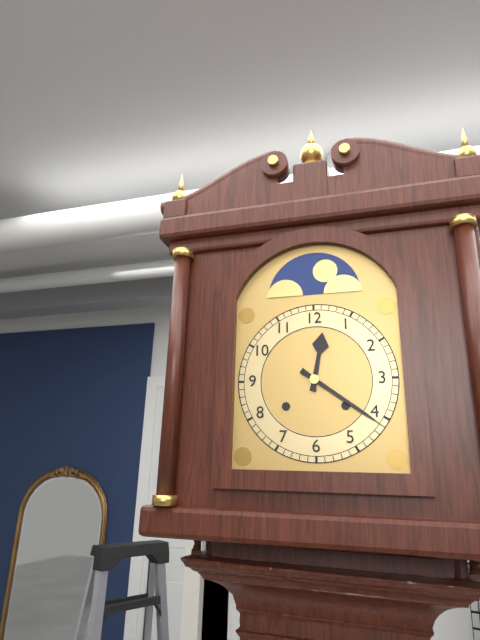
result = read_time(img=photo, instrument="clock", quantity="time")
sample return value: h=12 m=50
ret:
h=12 m=21
